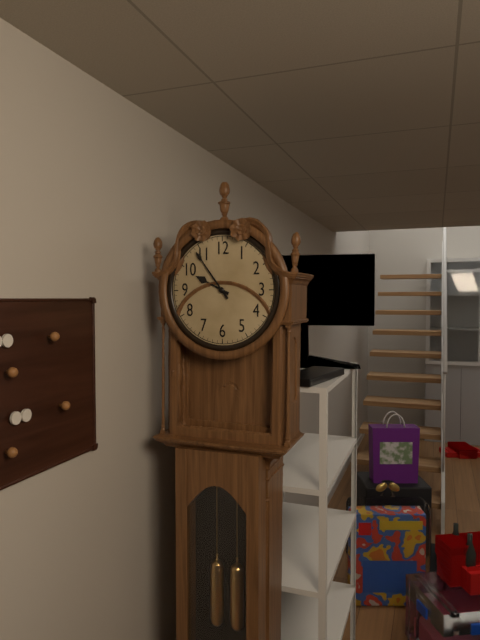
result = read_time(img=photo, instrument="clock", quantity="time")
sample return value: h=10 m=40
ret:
h=9 m=54
